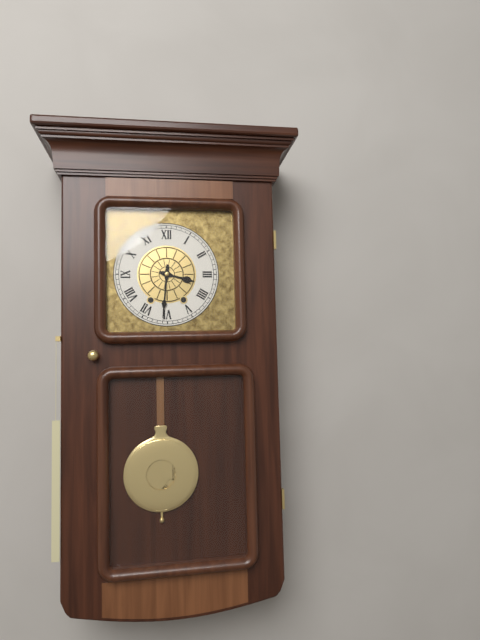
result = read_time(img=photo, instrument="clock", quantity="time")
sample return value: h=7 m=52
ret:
h=3 m=31
